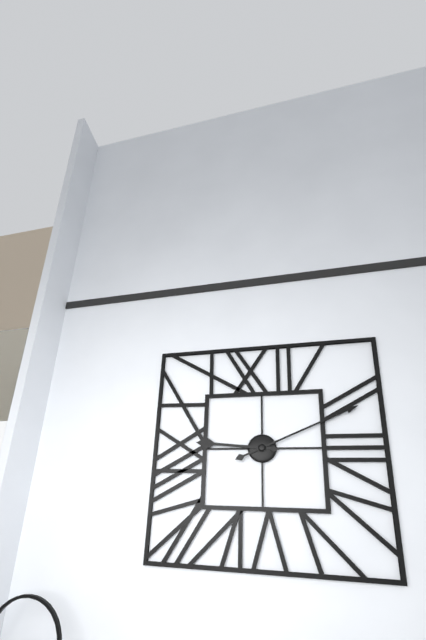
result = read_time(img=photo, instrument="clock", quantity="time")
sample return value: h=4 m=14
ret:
h=9 m=11
